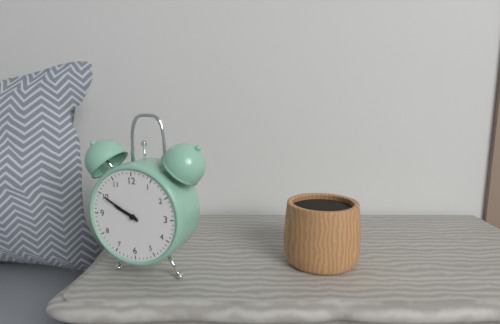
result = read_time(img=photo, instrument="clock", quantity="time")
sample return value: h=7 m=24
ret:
h=9 m=50
